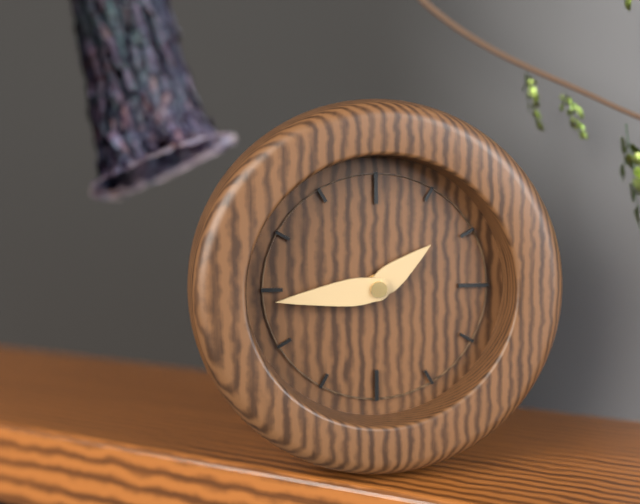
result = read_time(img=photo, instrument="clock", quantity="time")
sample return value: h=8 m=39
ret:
h=1 m=44
